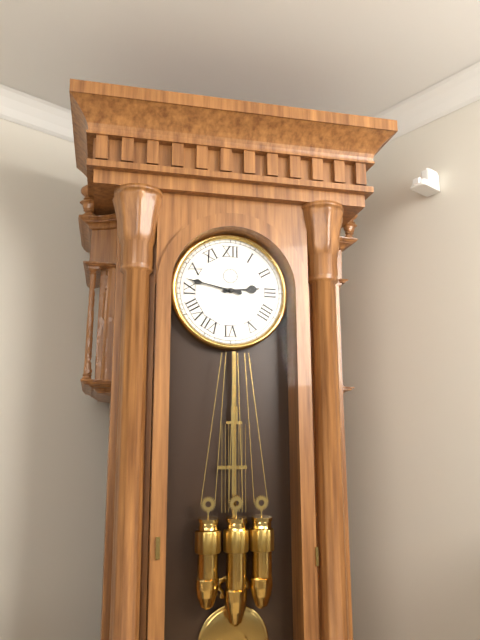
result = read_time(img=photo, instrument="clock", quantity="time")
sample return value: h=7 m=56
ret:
h=2 m=47
